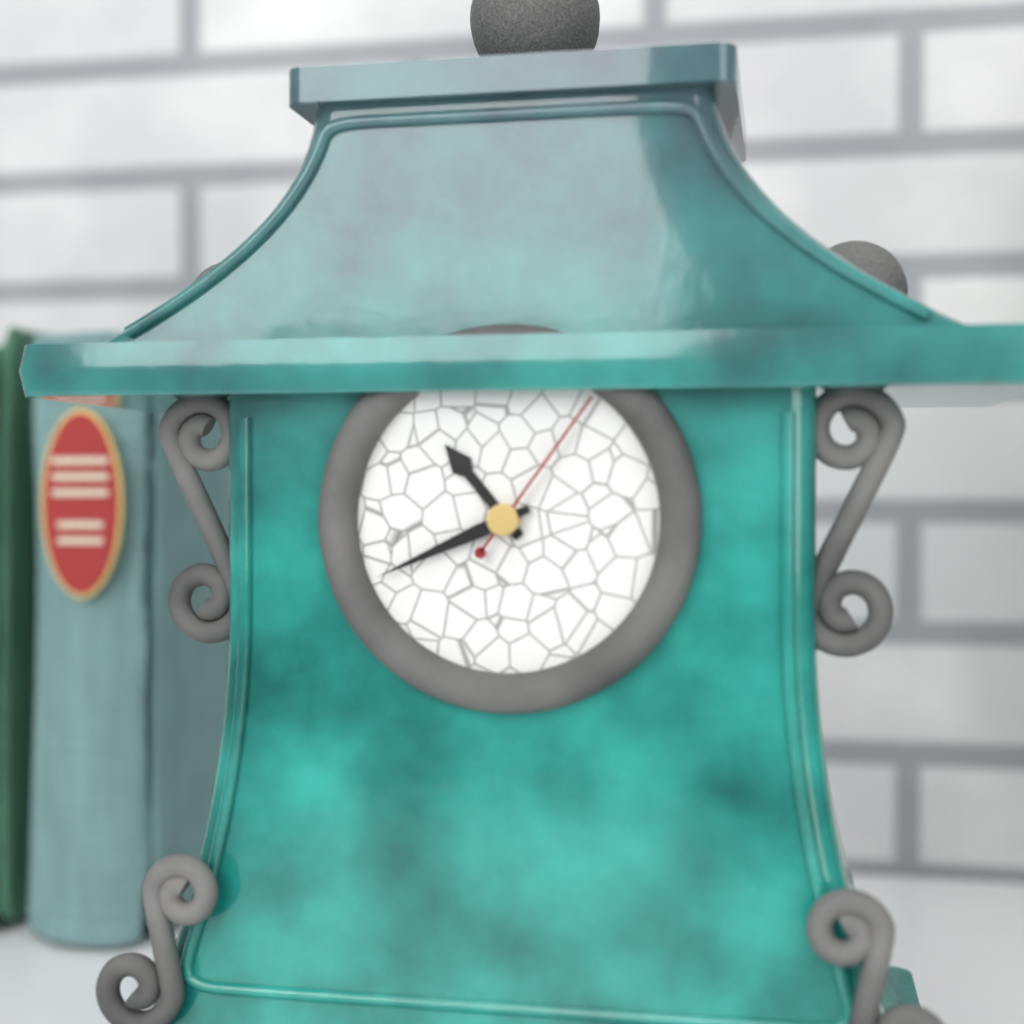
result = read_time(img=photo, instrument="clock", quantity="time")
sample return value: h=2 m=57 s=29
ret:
h=10 m=41 s=6
